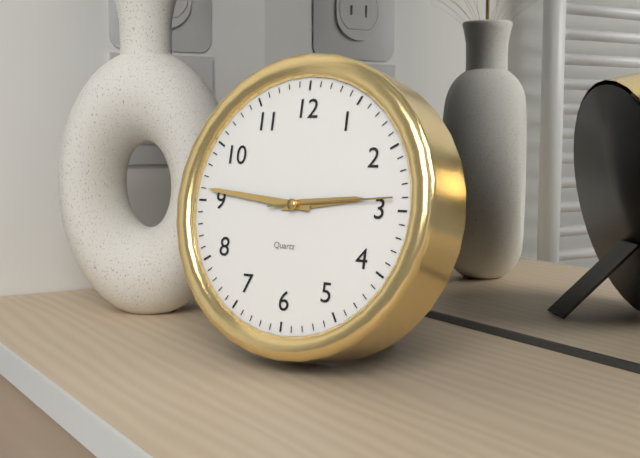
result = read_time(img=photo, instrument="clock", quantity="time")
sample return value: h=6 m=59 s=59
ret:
h=2 m=46 s=14
